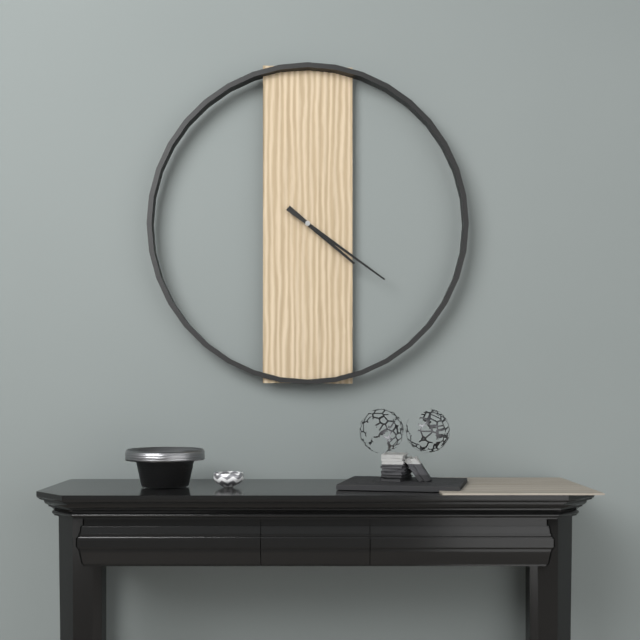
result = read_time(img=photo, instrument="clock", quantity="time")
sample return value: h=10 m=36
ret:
h=4 m=21
